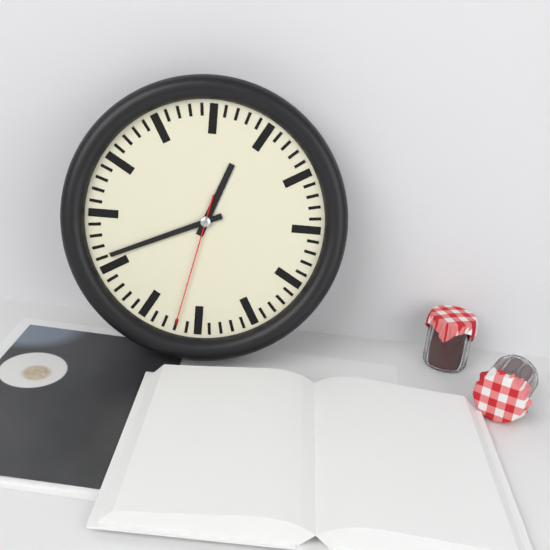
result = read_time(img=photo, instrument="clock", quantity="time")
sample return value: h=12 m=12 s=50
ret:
h=12 m=41 s=32
